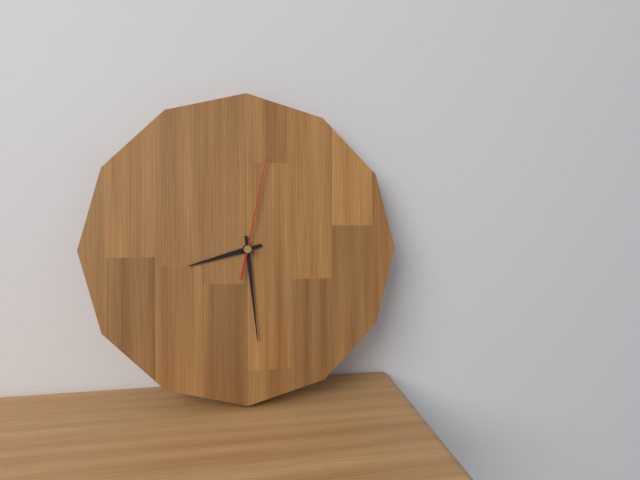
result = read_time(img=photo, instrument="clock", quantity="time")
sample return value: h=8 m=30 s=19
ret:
h=8 m=29 s=2
